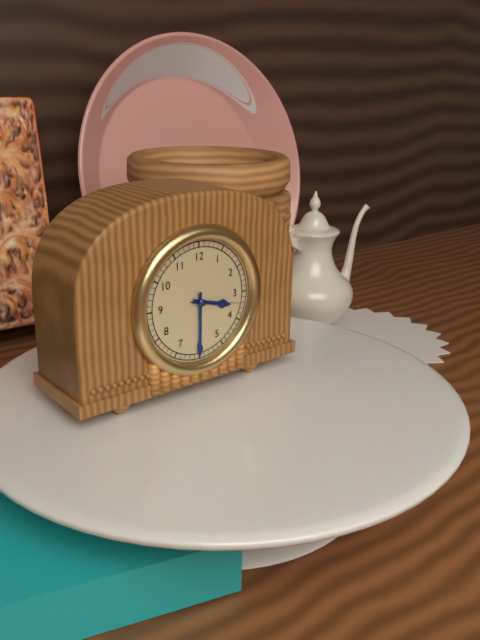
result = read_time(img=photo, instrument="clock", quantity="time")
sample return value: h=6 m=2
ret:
h=3 m=30
